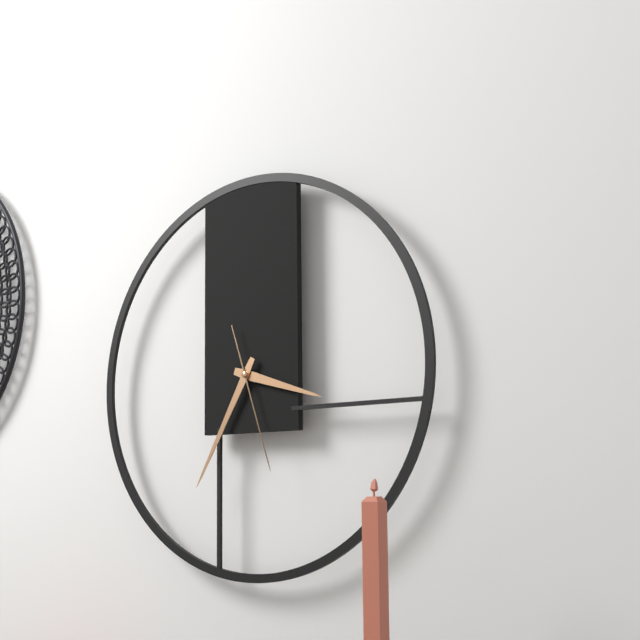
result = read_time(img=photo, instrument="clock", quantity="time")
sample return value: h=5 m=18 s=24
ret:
h=3 m=35 s=27
